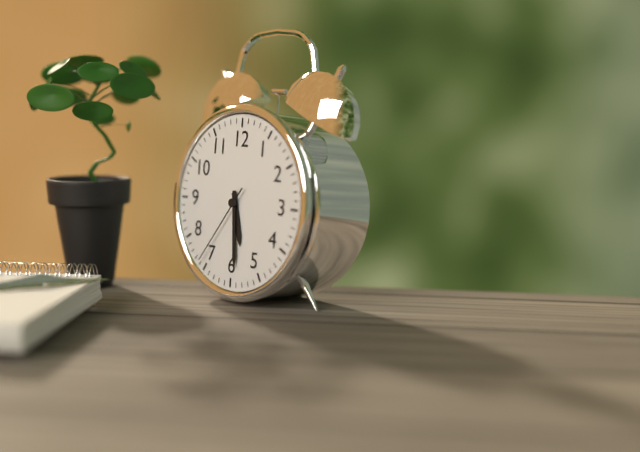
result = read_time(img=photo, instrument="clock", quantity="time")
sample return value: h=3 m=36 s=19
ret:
h=5 m=29 s=36
